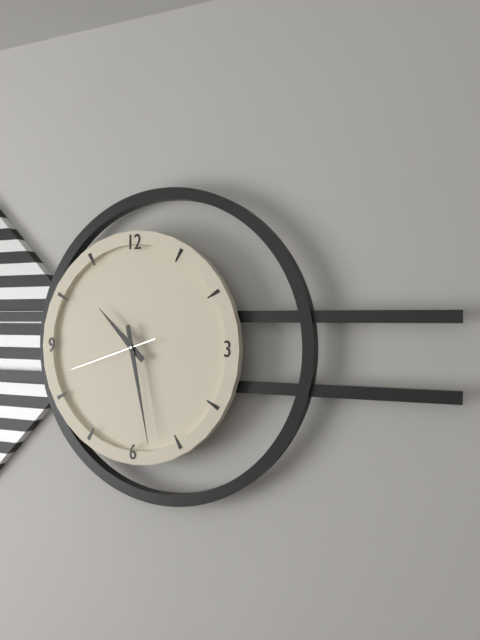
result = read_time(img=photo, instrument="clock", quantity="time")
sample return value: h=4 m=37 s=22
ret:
h=10 m=28 s=42
